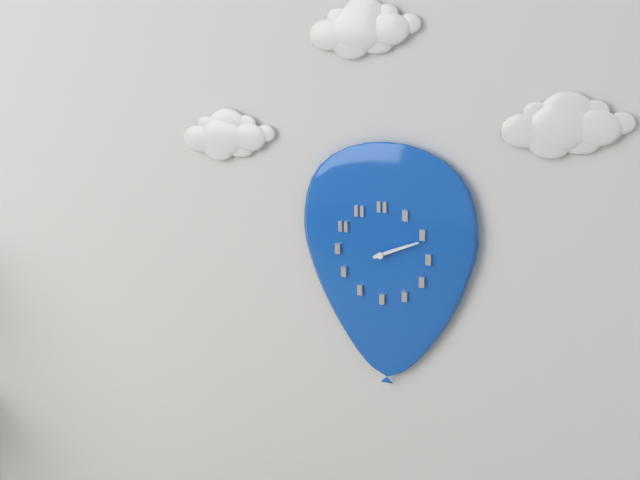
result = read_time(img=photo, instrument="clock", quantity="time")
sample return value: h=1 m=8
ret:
h=2 m=11
